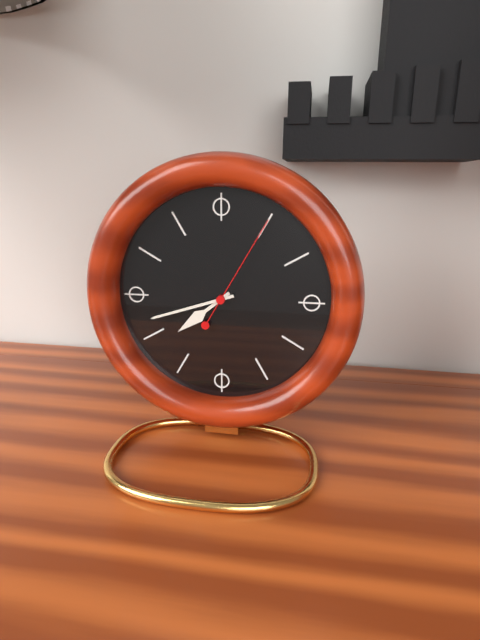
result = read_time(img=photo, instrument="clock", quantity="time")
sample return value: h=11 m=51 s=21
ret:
h=7 m=42 s=5
